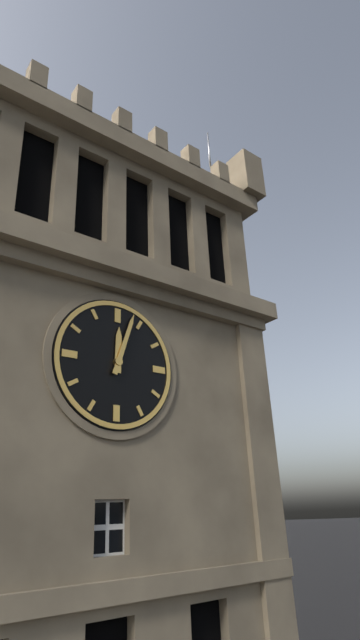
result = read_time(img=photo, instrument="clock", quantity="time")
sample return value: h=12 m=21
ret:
h=12 m=3
